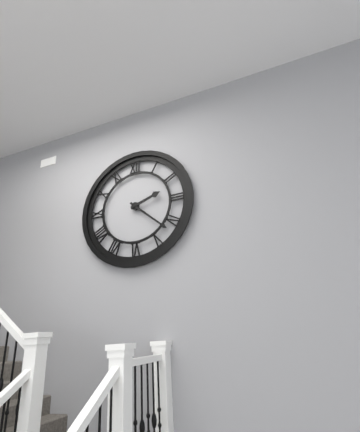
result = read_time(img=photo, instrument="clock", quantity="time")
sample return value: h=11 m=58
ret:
h=2 m=22
